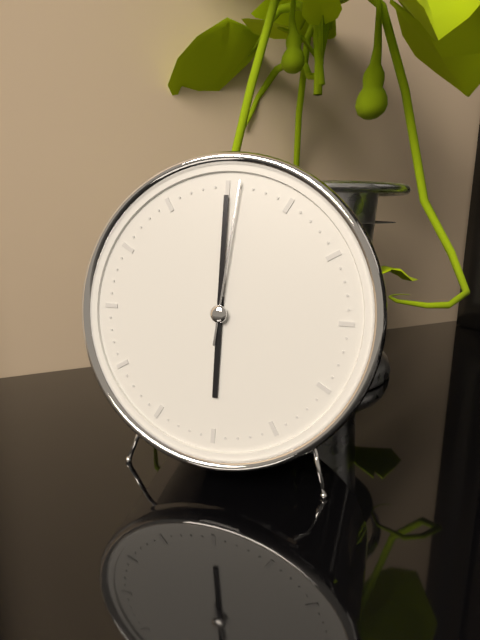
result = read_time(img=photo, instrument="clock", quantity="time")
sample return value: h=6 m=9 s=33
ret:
h=6 m=0 s=1
